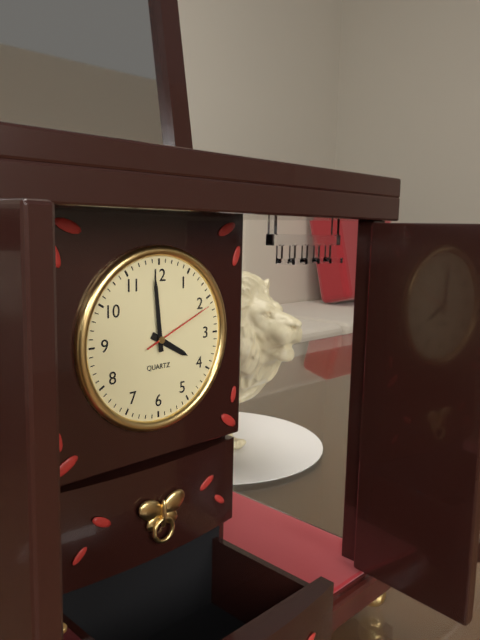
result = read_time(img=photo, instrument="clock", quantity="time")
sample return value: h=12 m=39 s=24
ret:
h=3 m=59 s=11
